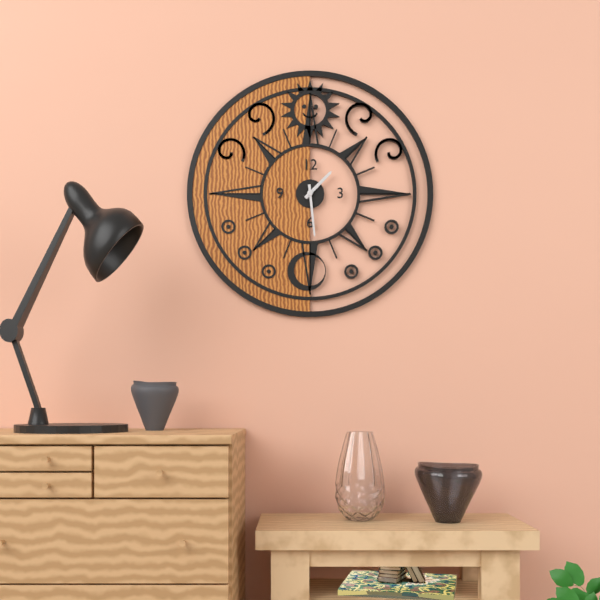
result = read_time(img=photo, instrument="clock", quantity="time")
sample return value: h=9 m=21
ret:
h=1 m=29
